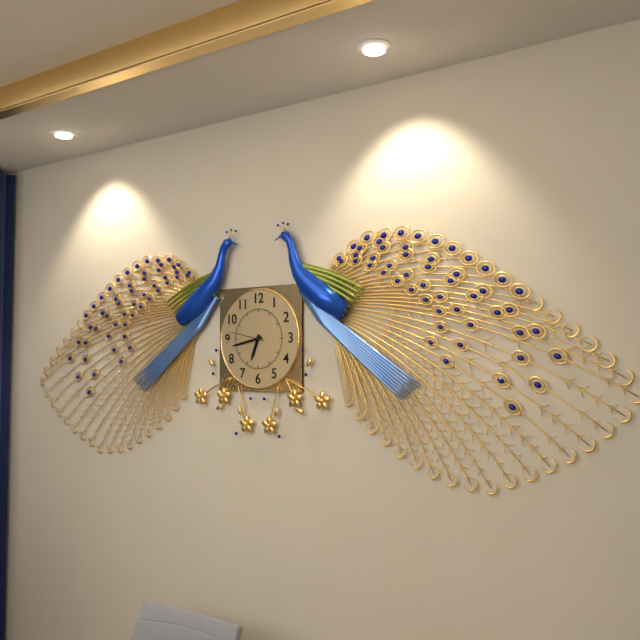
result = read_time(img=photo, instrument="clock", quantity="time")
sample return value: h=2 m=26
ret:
h=6 m=43
